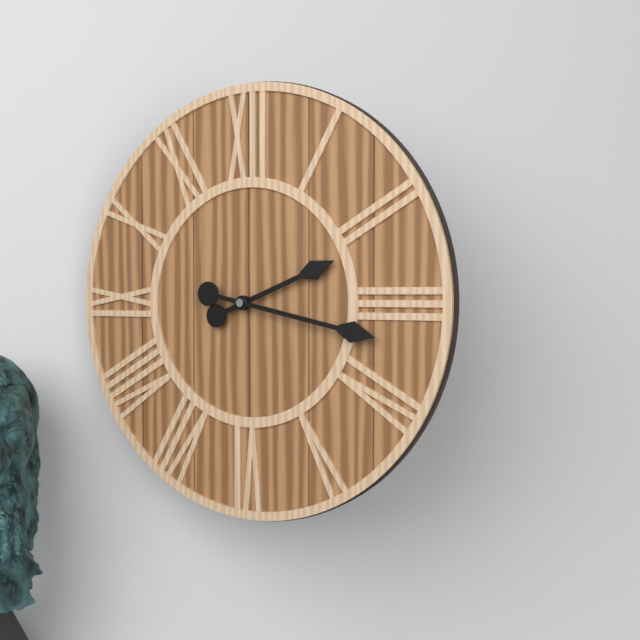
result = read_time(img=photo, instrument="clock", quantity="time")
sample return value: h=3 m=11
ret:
h=2 m=17
